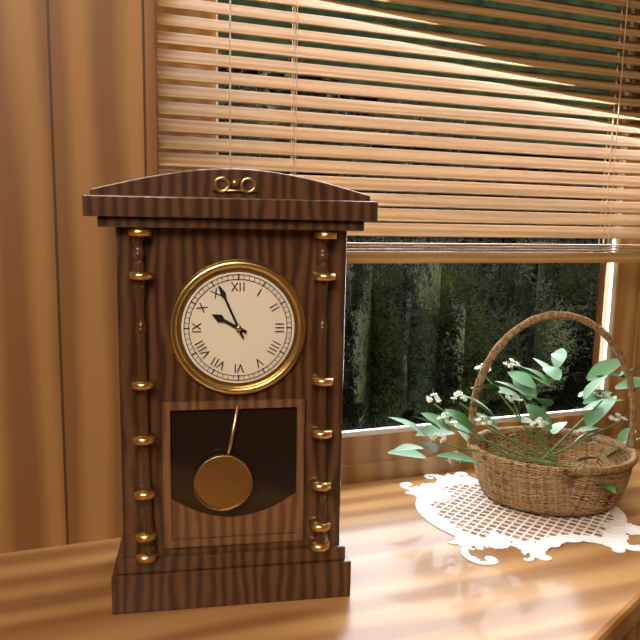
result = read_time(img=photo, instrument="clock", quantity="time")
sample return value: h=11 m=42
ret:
h=9 m=56
